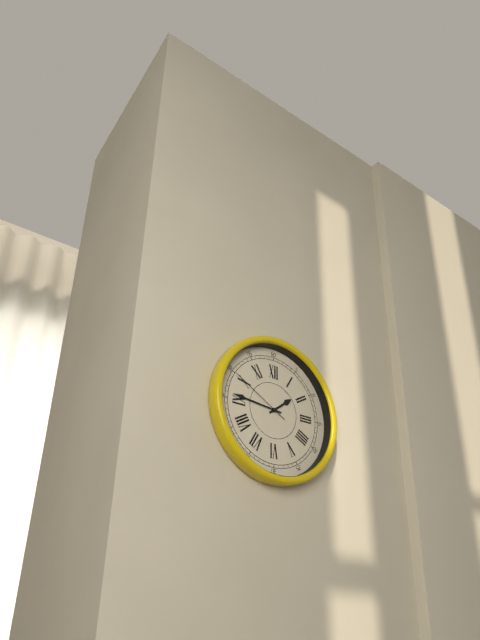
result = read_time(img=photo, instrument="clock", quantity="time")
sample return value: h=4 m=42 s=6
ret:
h=1 m=46 s=50
